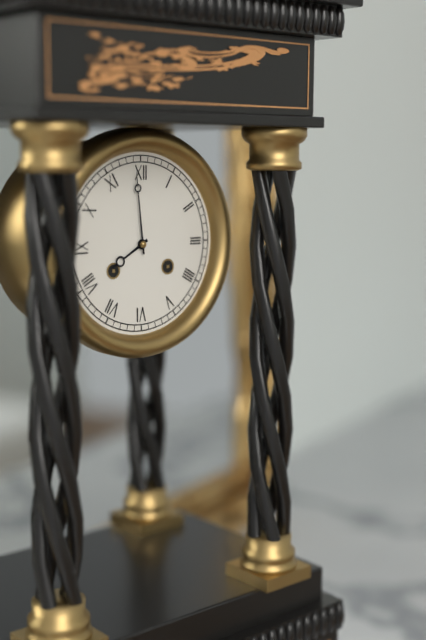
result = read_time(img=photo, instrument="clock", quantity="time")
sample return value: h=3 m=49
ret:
h=7 m=59
